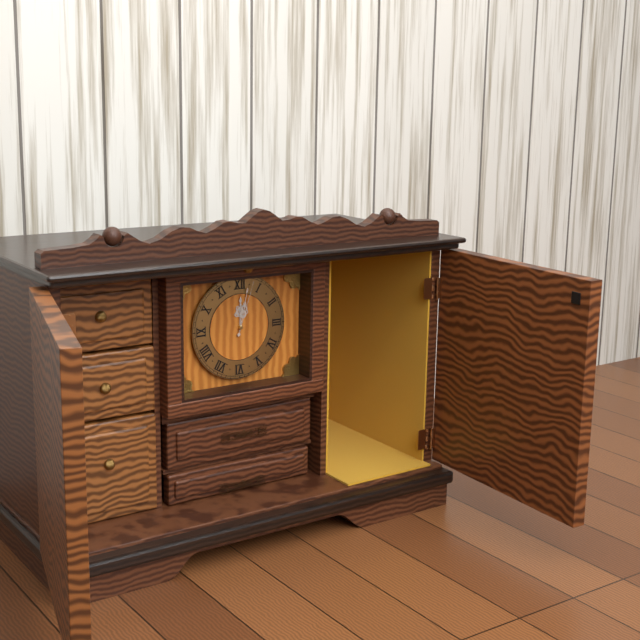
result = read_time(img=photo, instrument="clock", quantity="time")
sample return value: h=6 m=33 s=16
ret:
h=12 m=2 s=3
